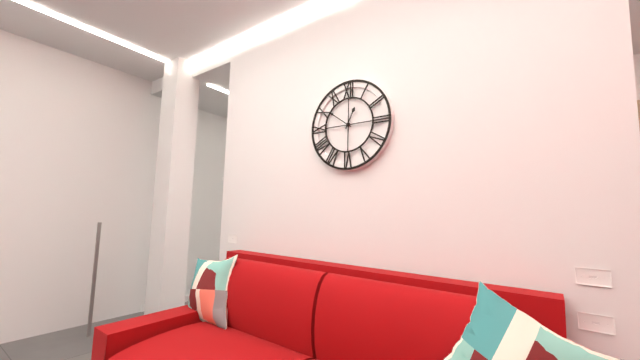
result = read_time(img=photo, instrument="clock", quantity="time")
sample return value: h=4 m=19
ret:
h=12 m=51
